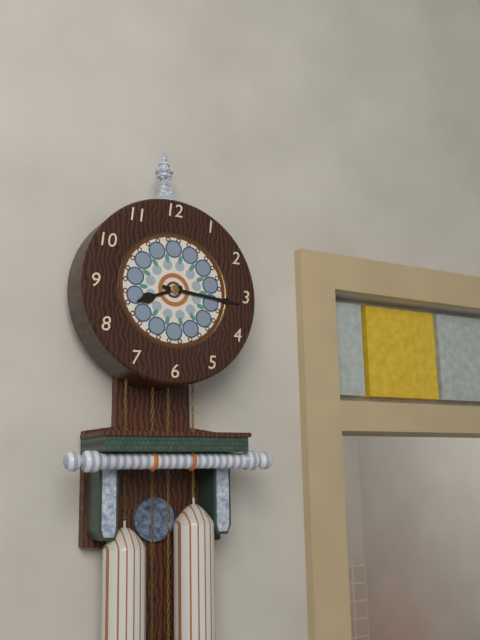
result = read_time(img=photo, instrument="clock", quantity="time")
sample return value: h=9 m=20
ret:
h=8 m=16
